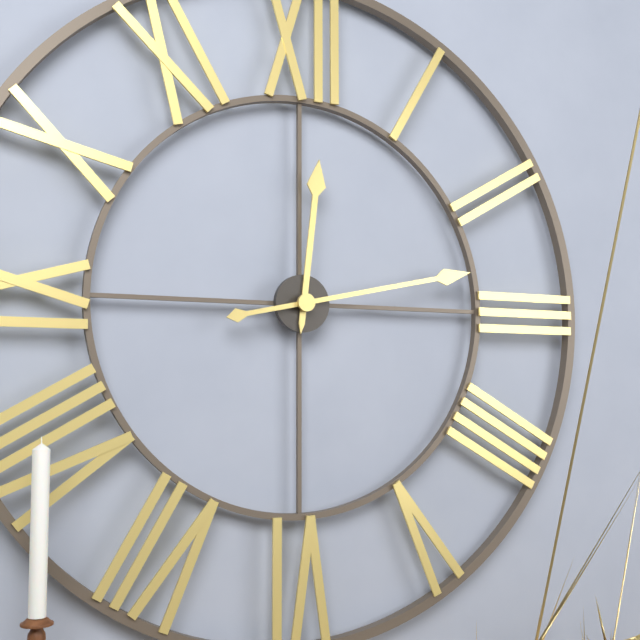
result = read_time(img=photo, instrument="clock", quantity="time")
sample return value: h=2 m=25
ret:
h=12 m=13
